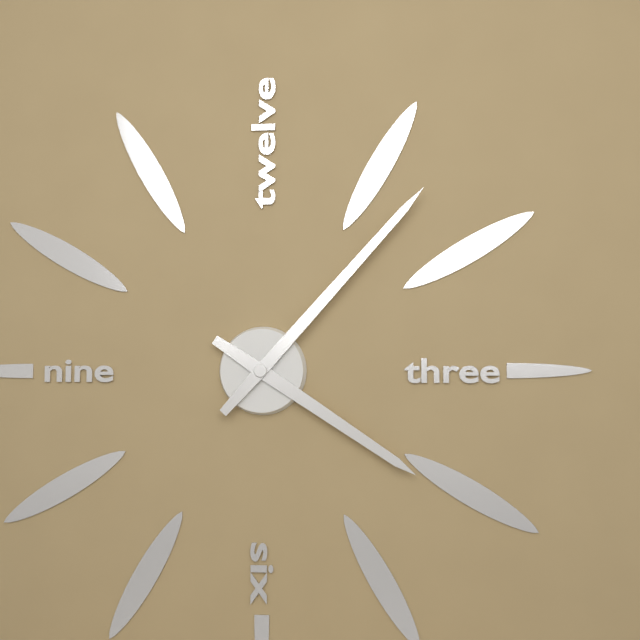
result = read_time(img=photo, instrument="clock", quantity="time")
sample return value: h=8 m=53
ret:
h=4 m=7
